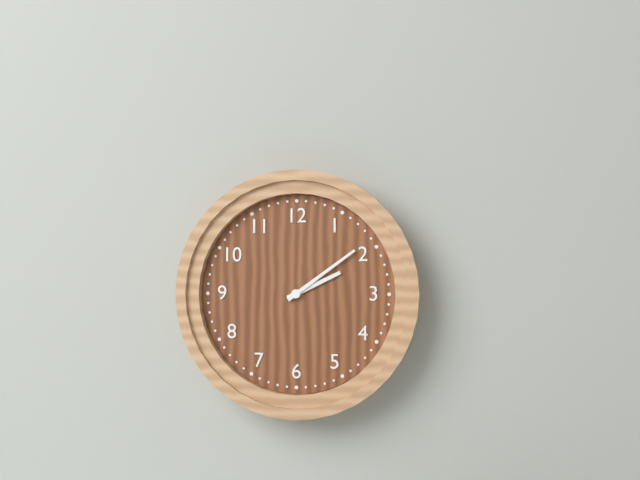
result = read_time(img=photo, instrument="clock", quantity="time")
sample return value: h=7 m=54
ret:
h=2 m=9
